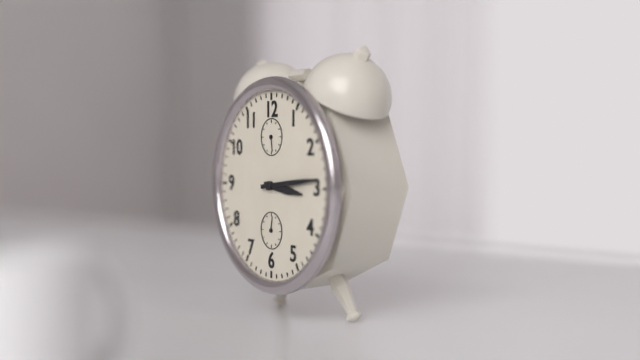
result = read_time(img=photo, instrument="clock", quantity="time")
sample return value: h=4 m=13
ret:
h=3 m=14
